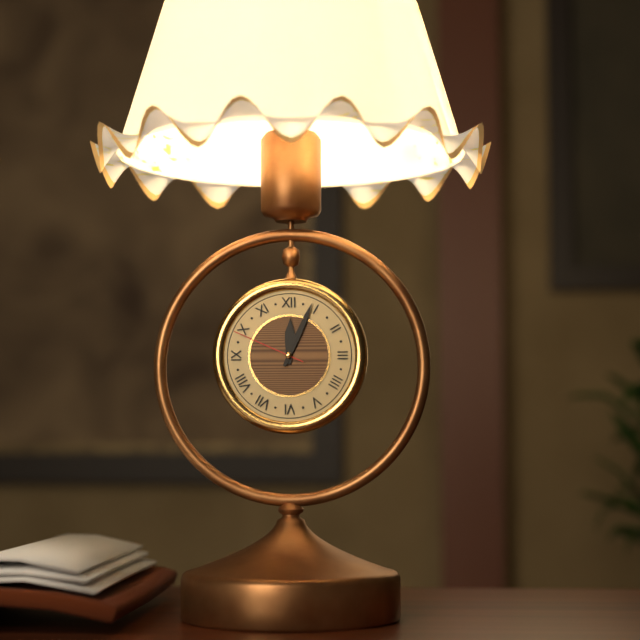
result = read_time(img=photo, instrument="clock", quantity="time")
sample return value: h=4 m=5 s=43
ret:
h=12 m=4 s=49
